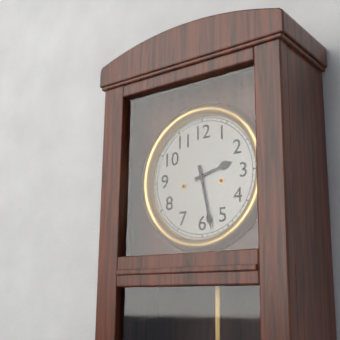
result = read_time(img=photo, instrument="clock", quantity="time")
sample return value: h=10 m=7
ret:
h=2 m=28
